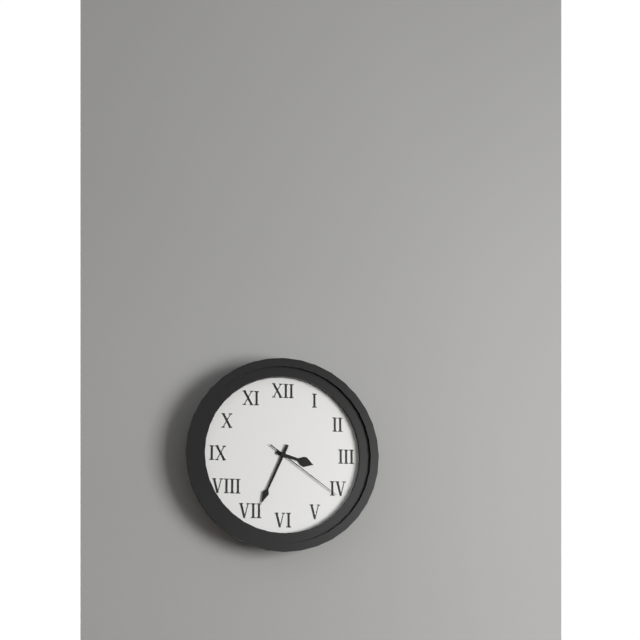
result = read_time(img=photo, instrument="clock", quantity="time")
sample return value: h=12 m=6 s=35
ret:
h=3 m=34 s=21
